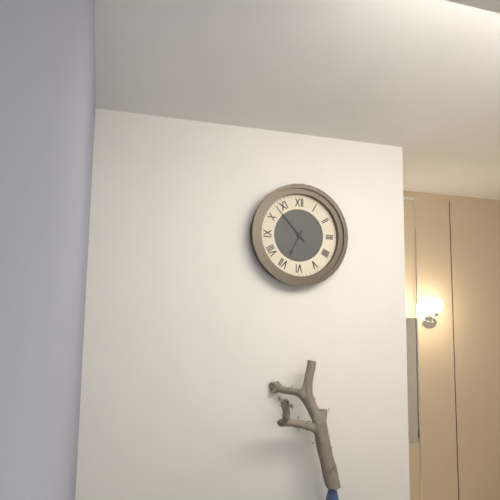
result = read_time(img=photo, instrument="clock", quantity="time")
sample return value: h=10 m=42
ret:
h=6 m=53
